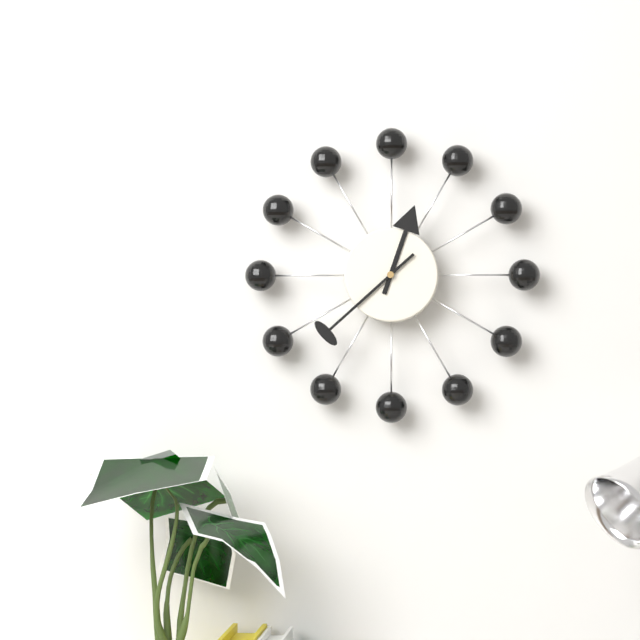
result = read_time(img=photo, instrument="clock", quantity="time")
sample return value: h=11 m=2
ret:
h=12 m=38
